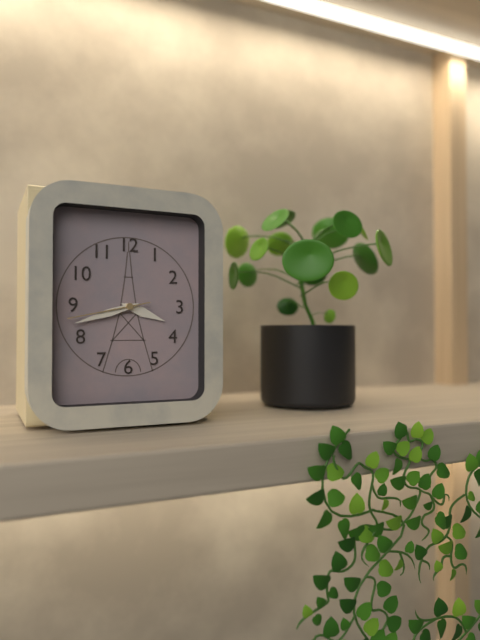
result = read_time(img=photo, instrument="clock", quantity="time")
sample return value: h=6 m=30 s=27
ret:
h=3 m=42 s=43
